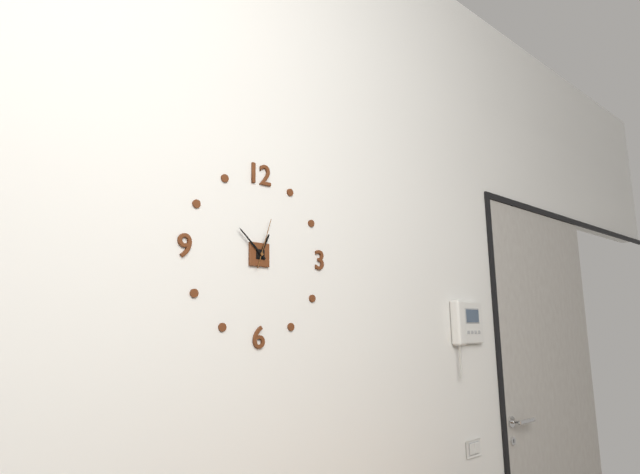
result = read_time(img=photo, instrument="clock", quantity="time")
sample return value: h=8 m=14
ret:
h=12 m=52
